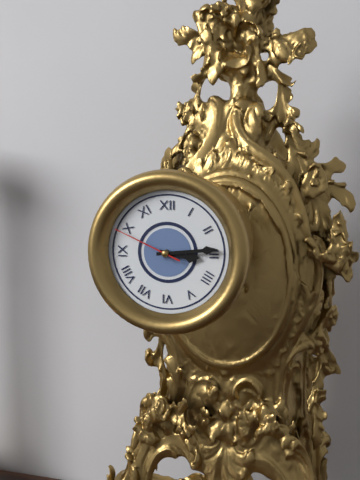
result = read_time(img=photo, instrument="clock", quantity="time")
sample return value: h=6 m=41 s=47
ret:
h=3 m=14 s=49
